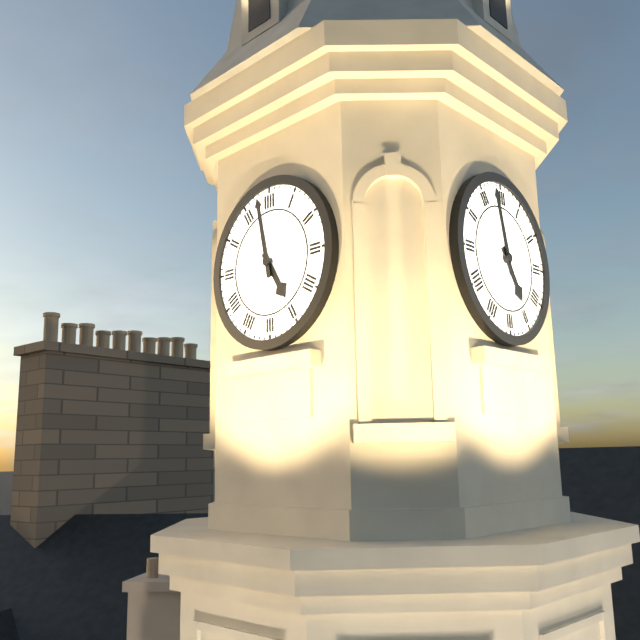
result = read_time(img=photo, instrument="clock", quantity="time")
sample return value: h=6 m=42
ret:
h=4 m=58
